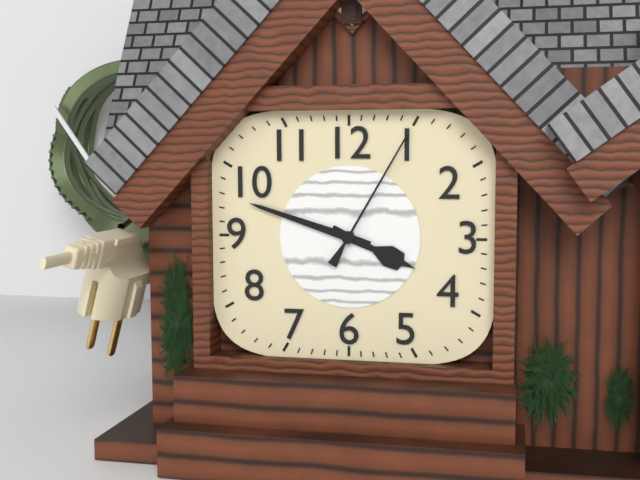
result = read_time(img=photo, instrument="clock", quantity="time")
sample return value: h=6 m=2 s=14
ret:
h=3 m=48 s=5
